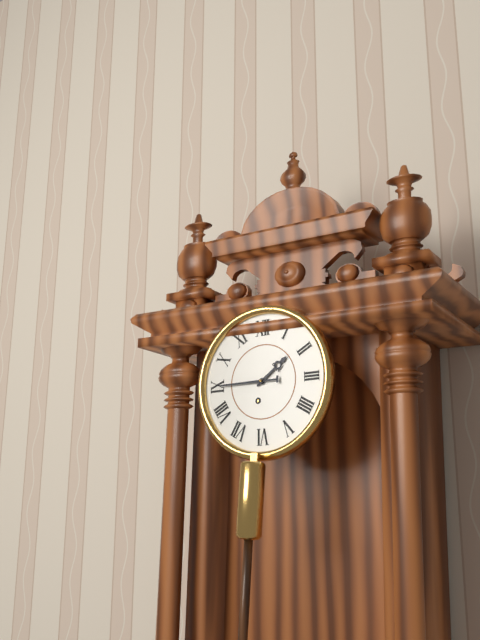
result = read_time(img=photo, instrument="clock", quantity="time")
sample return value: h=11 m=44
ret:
h=1 m=45
